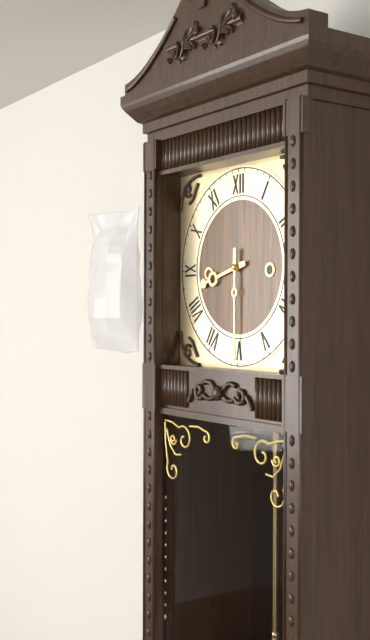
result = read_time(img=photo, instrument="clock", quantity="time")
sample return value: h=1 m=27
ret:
h=8 m=30
